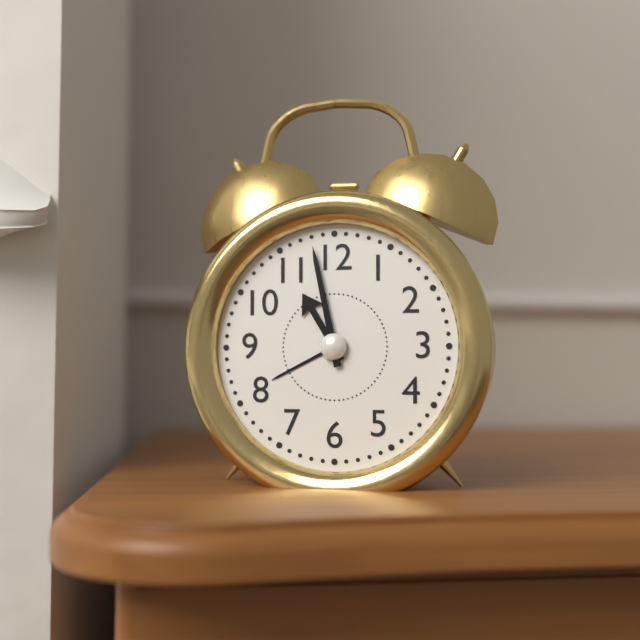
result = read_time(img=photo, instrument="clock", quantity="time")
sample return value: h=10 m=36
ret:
h=10 m=58
